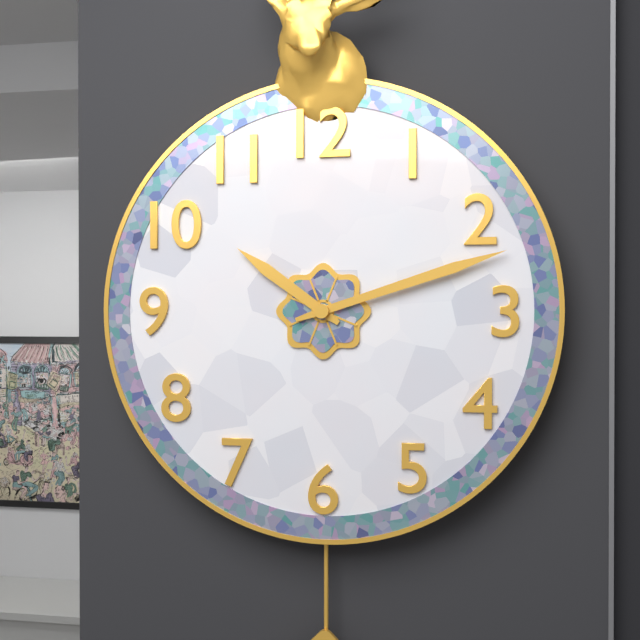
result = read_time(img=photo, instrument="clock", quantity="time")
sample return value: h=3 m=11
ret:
h=10 m=12
